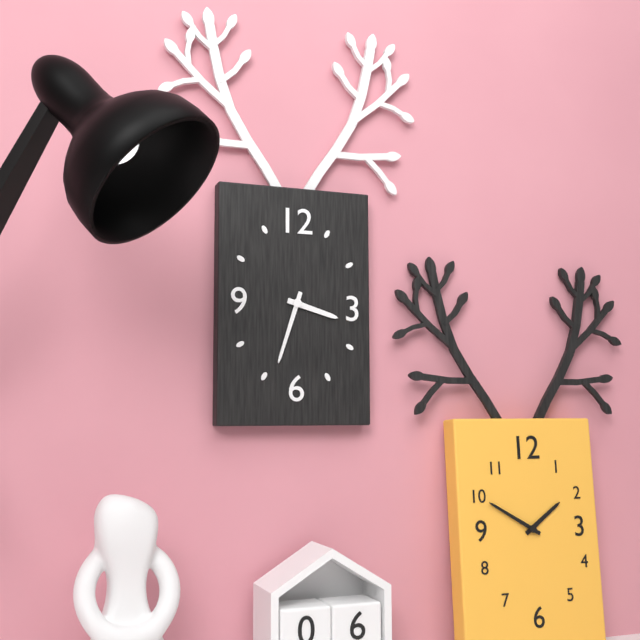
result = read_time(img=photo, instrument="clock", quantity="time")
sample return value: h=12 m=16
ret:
h=3 m=33
